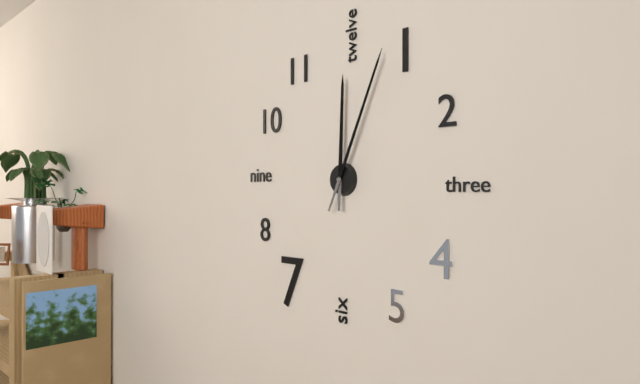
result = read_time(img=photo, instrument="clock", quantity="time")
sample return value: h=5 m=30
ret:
h=12 m=4
